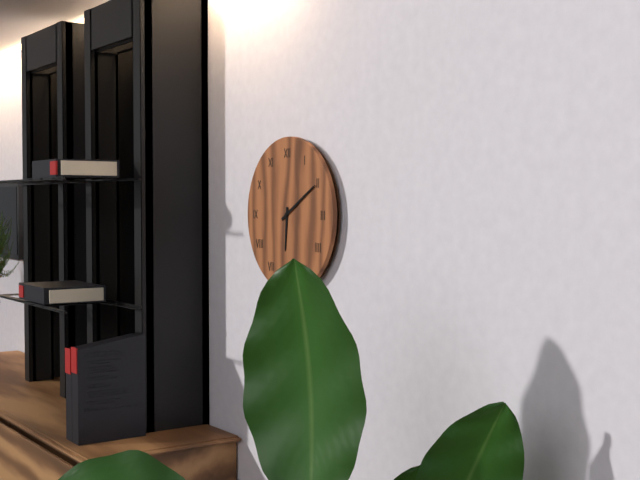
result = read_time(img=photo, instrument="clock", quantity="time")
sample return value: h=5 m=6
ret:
h=6 m=10
